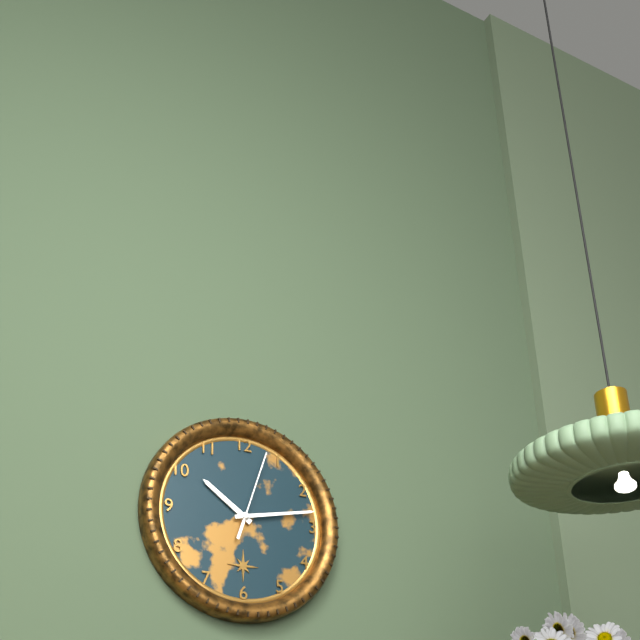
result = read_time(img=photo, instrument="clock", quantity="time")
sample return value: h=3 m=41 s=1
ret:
h=10 m=13 s=3
